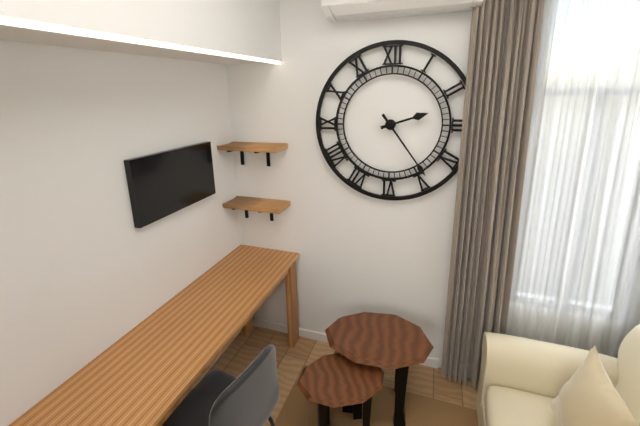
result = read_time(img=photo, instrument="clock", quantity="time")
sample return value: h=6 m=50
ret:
h=2 m=24
